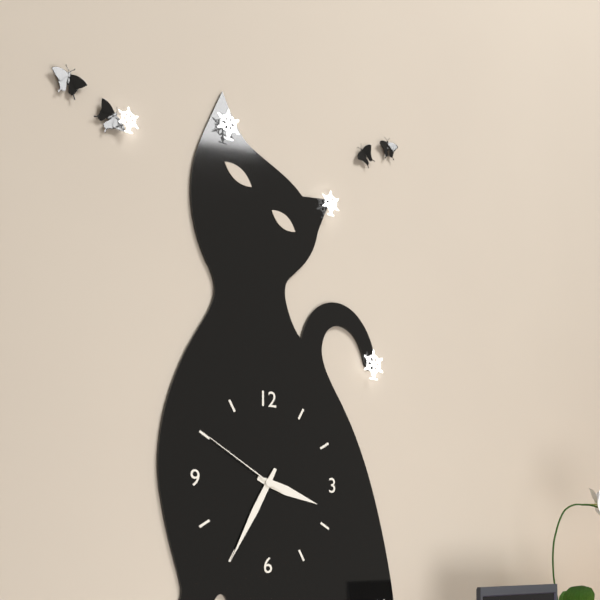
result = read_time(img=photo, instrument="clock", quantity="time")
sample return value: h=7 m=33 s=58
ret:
h=3 m=35 s=50
